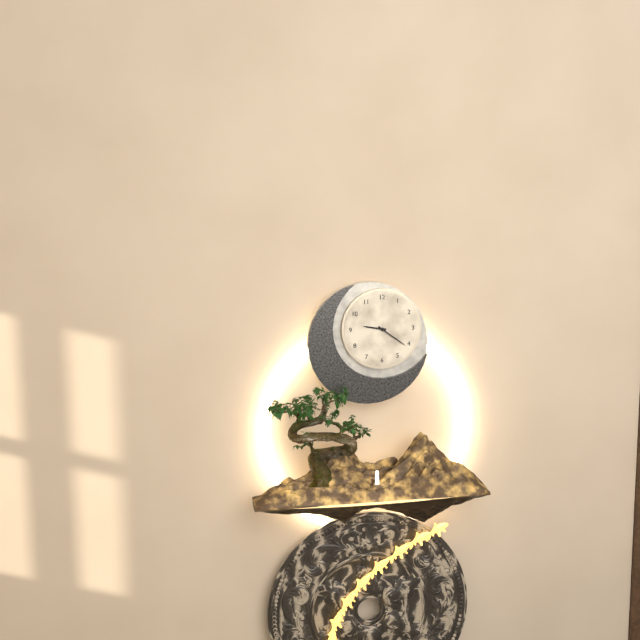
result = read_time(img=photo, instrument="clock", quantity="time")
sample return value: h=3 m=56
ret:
h=9 m=21
